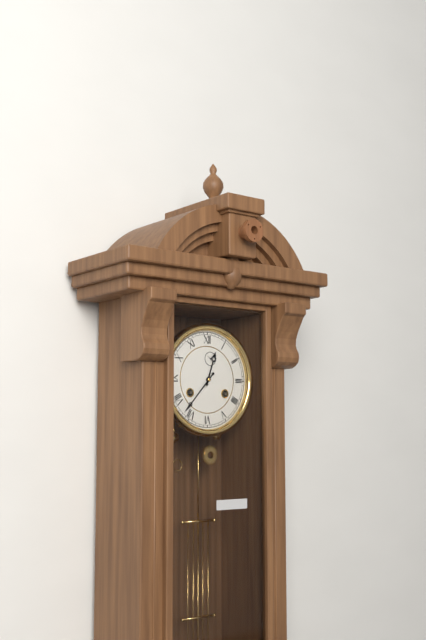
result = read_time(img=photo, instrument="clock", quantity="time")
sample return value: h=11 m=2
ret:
h=12 m=37
